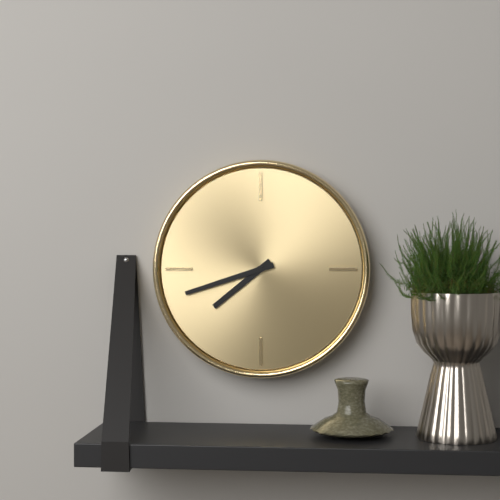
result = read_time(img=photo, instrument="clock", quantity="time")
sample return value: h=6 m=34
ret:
h=7 m=42
